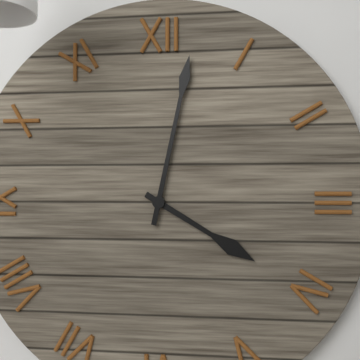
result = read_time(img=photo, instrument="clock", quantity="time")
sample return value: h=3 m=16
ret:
h=4 m=2
